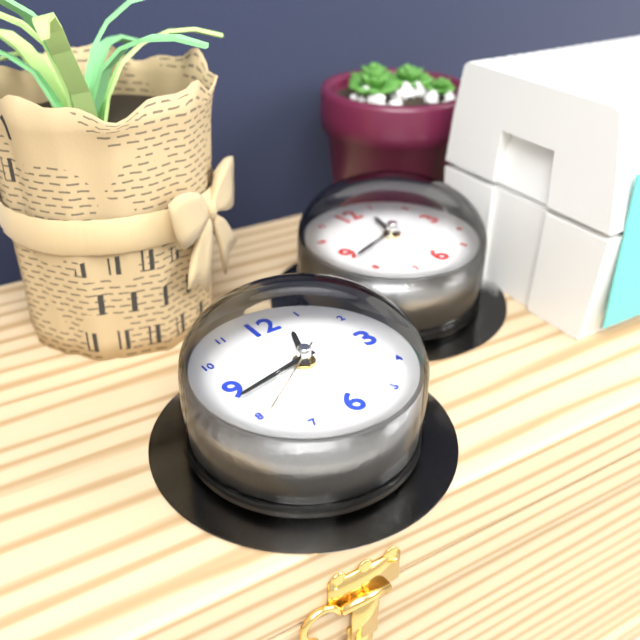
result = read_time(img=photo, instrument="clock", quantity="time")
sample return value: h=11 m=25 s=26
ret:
h=12 m=43 s=39
